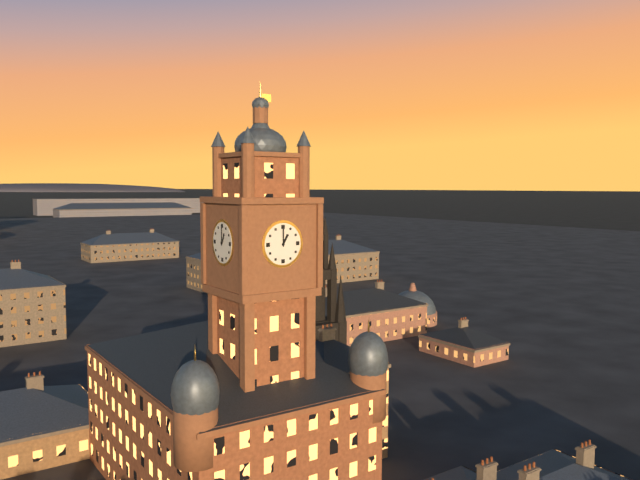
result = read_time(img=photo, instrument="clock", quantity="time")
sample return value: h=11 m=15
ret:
h=1 m=0
